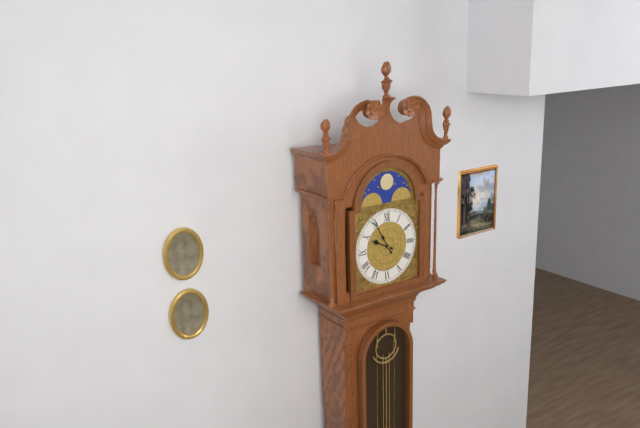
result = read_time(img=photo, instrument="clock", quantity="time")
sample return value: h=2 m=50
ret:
h=9 m=55
